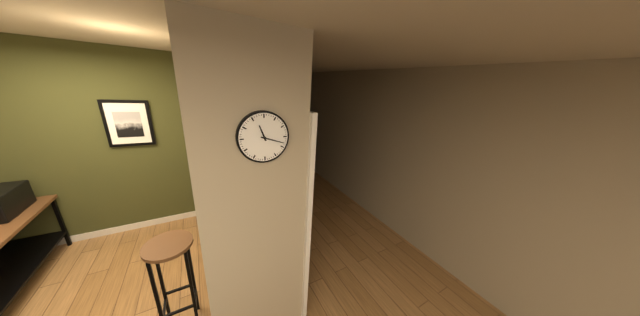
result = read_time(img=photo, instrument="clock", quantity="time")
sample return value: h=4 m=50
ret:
h=11 m=18
